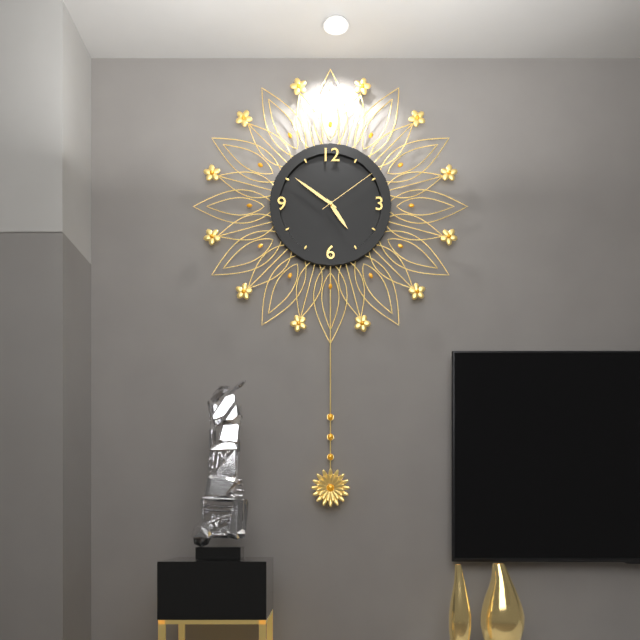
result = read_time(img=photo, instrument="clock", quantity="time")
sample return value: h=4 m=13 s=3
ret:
h=4 m=51 s=9
